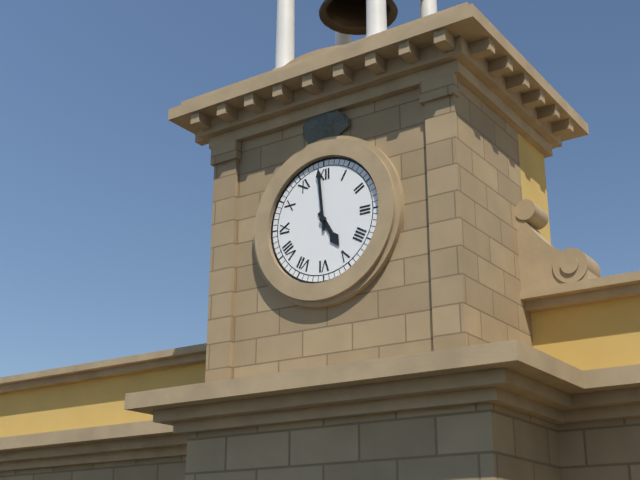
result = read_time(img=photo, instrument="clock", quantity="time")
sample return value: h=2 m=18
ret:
h=4 m=59
